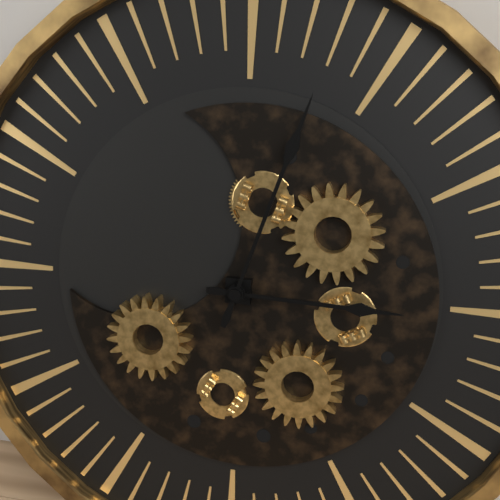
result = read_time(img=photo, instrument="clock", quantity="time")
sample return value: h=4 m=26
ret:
h=3 m=3
